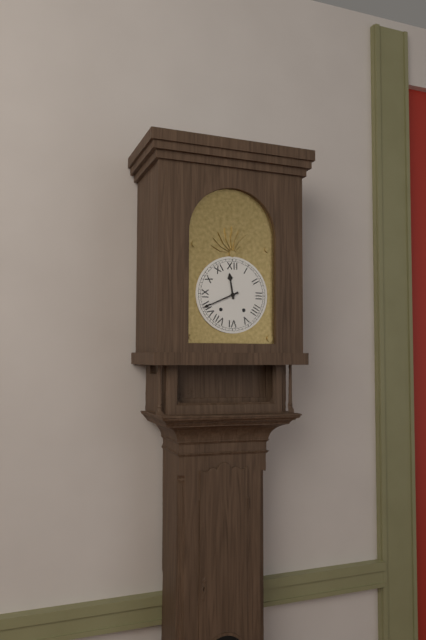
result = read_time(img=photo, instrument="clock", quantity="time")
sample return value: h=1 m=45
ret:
h=11 m=41
